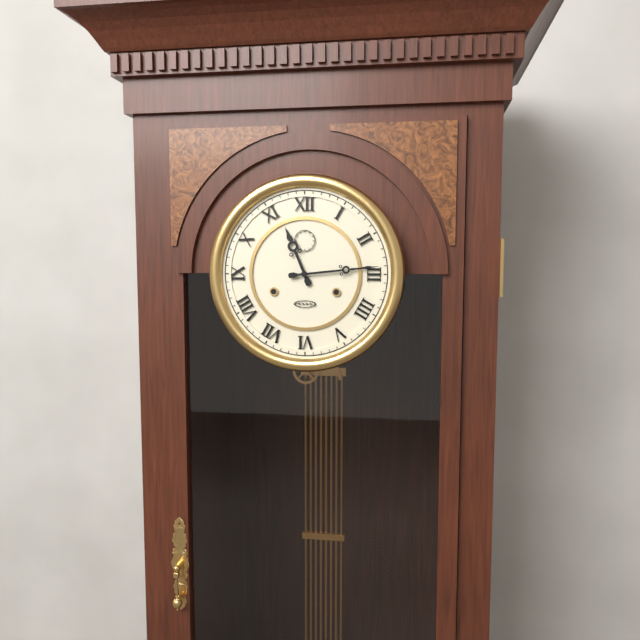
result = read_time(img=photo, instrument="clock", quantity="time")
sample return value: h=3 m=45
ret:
h=11 m=14
